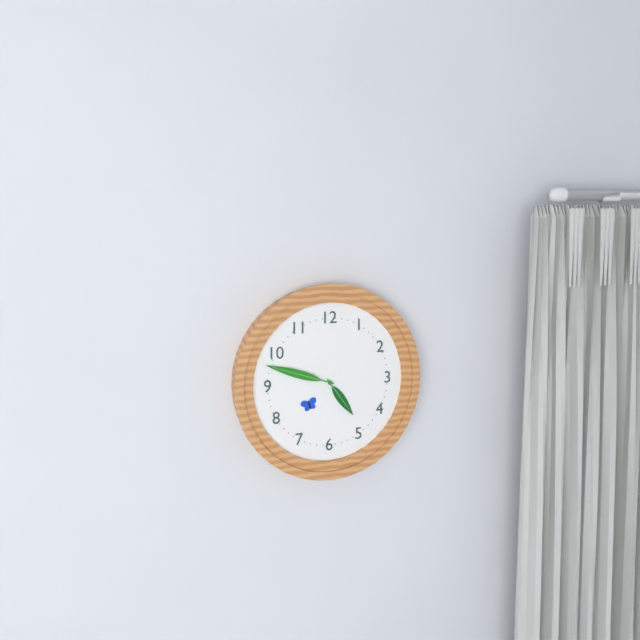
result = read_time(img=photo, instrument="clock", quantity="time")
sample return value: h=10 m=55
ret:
h=4 m=48
